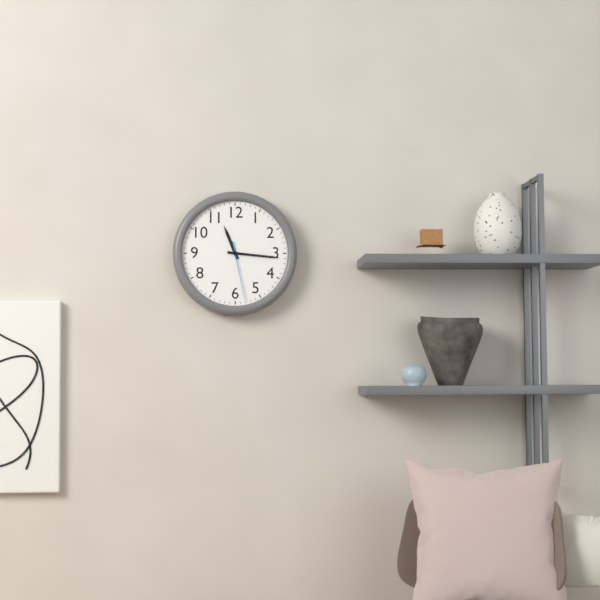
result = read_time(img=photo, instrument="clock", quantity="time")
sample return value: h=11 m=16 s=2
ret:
h=11 m=16 s=28
